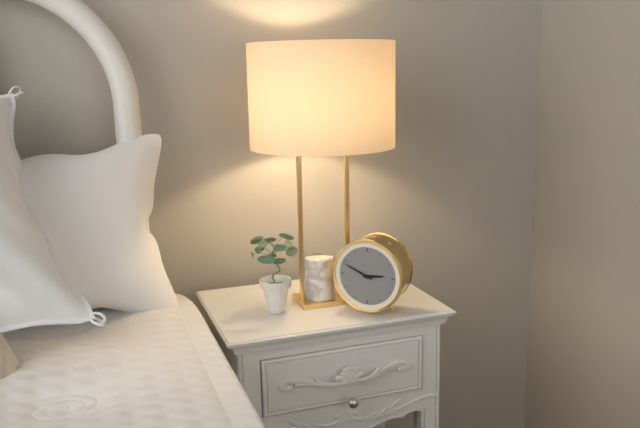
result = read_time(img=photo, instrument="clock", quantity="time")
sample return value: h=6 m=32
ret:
h=2 m=49
